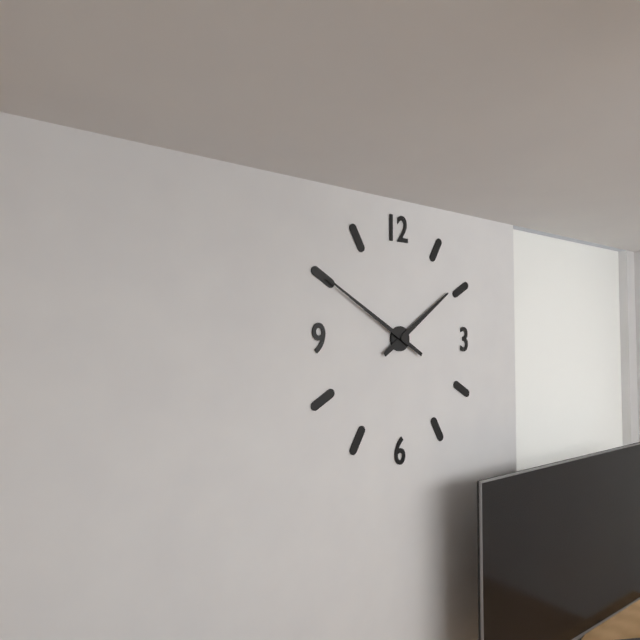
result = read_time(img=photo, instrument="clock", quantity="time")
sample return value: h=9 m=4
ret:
h=1 m=50
